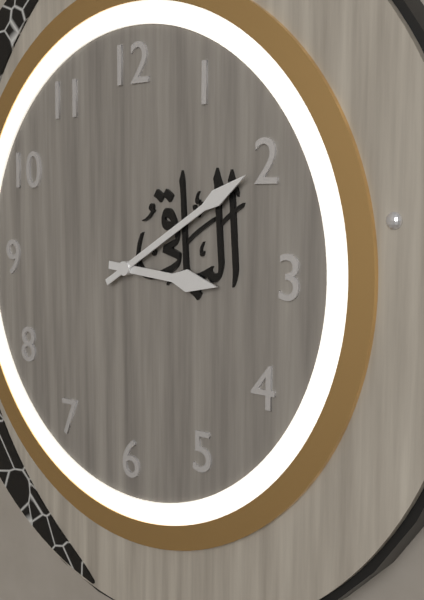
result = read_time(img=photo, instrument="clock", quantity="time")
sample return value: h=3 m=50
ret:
h=3 m=10
